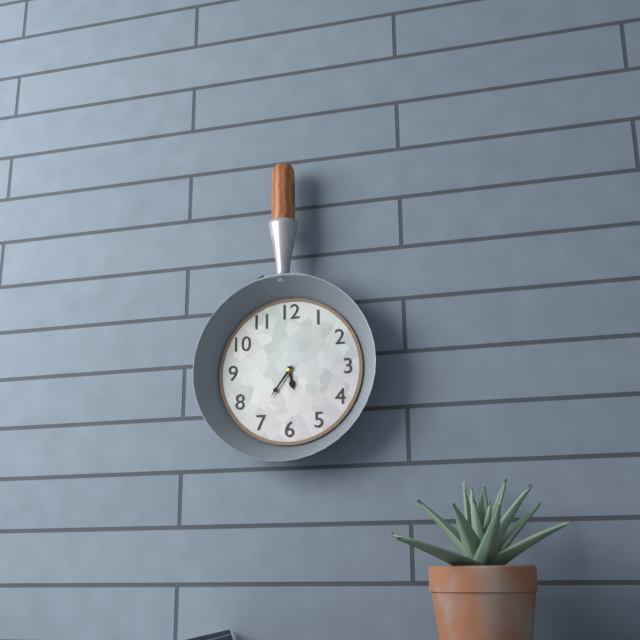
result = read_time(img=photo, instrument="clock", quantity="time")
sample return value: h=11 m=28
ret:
h=5 m=36
